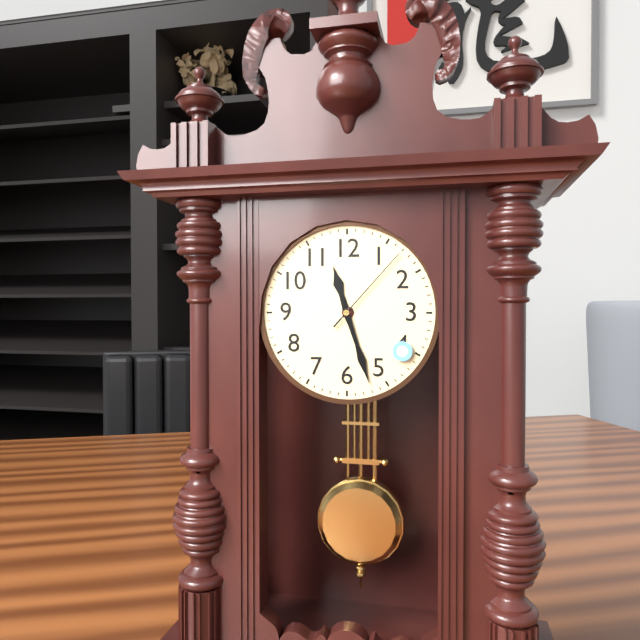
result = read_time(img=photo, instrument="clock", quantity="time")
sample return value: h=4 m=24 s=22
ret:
h=11 m=27 s=7
